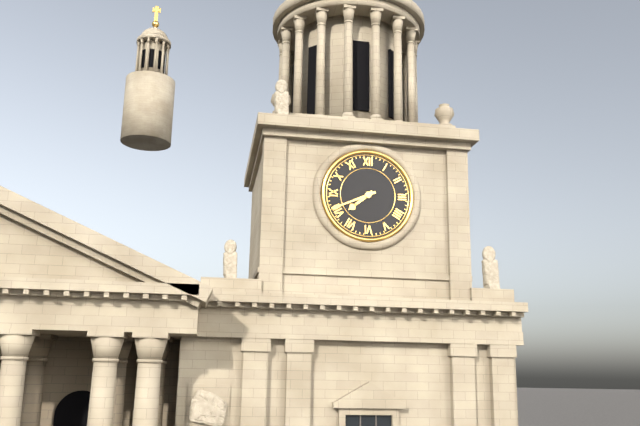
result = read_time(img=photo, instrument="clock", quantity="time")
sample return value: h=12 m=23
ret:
h=7 m=41
